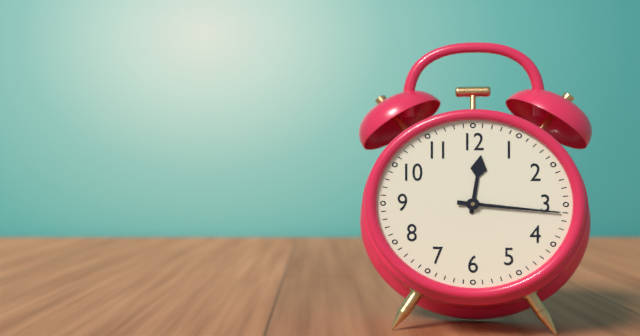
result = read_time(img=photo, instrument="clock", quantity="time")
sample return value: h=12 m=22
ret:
h=12 m=16
